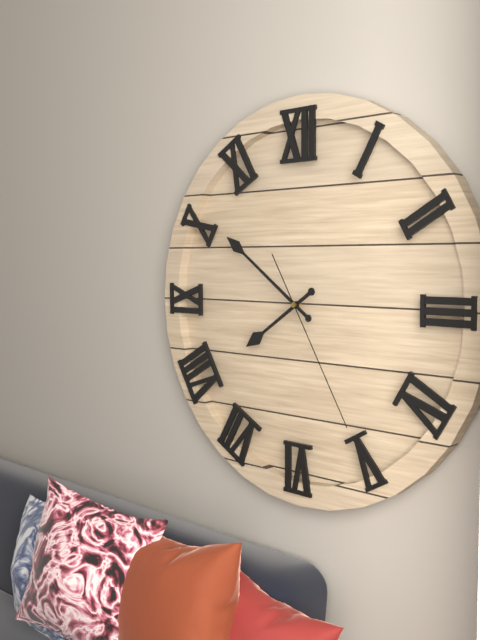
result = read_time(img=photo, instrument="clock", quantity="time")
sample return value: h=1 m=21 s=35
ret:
h=7 m=51 s=25
